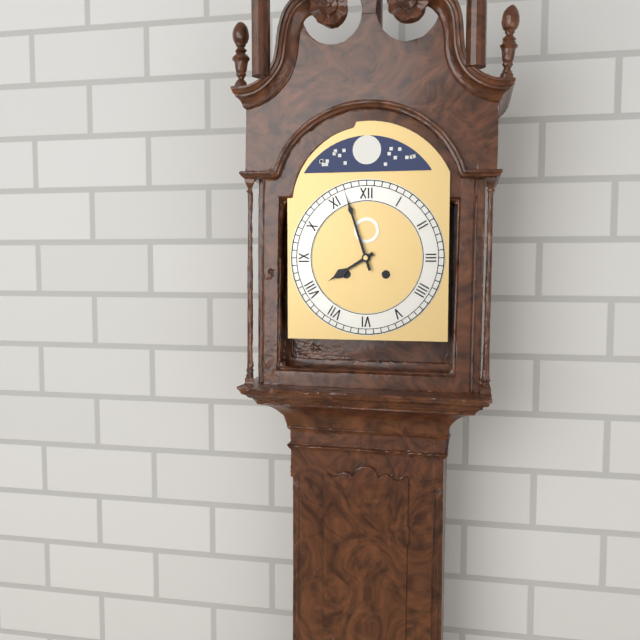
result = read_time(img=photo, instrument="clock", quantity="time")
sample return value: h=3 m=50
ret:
h=7 m=57
